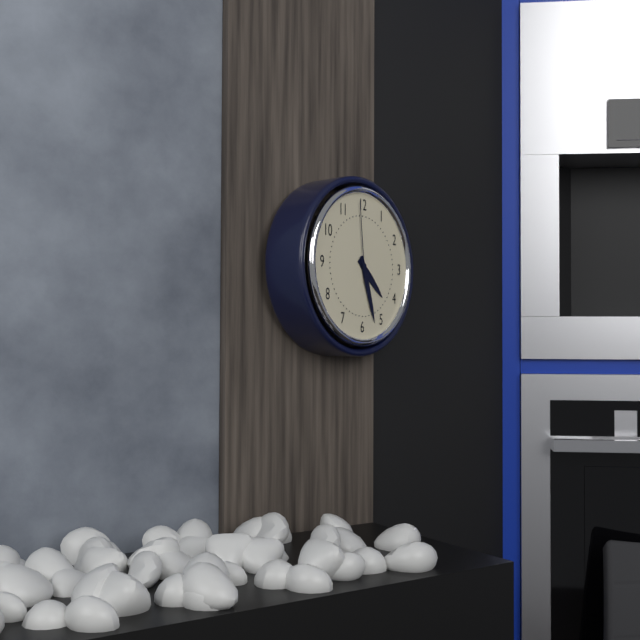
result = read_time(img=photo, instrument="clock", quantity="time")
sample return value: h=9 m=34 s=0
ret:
h=4 m=27 s=59
